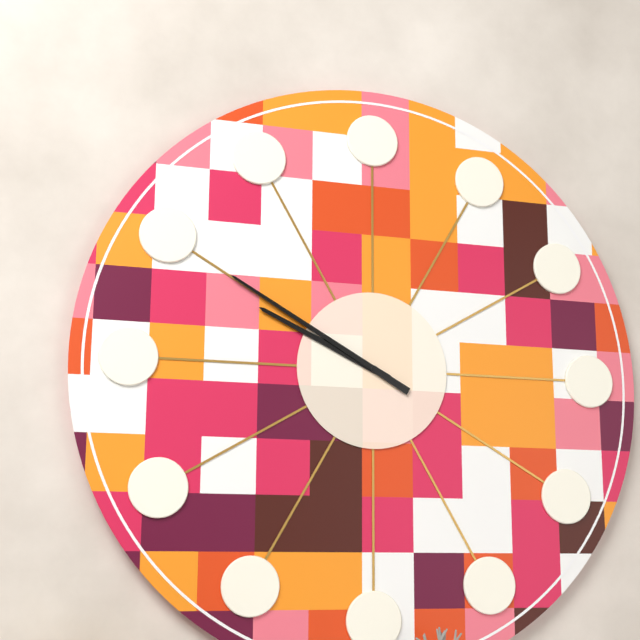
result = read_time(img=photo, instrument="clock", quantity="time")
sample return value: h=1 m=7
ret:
h=9 m=50
